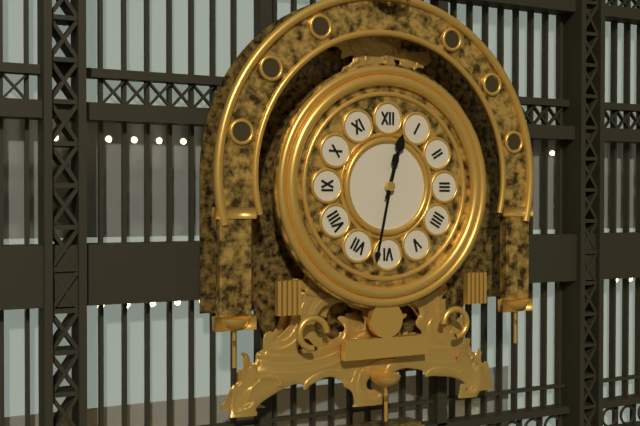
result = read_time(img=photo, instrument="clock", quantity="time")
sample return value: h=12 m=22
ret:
h=12 m=32
